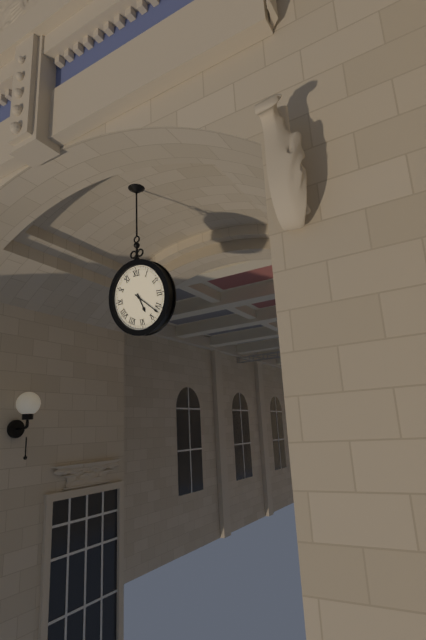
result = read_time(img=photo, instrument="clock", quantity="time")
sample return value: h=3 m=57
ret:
h=5 m=22
